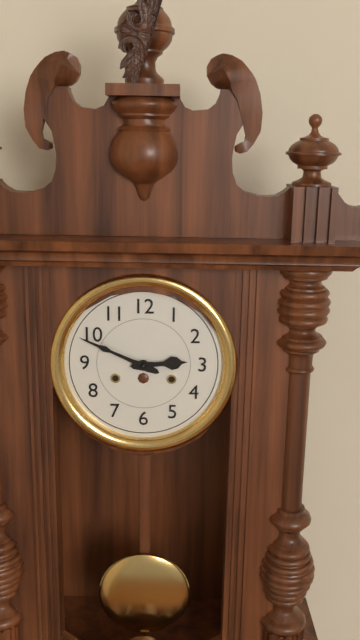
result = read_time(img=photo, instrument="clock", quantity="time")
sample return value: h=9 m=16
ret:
h=2 m=49
